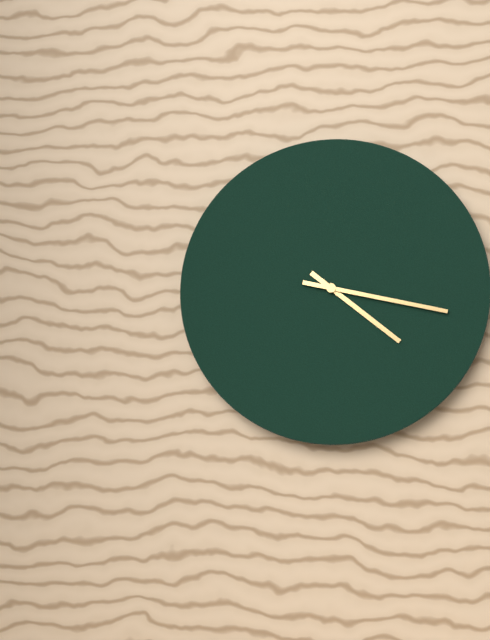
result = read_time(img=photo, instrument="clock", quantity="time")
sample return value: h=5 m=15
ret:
h=4 m=17
